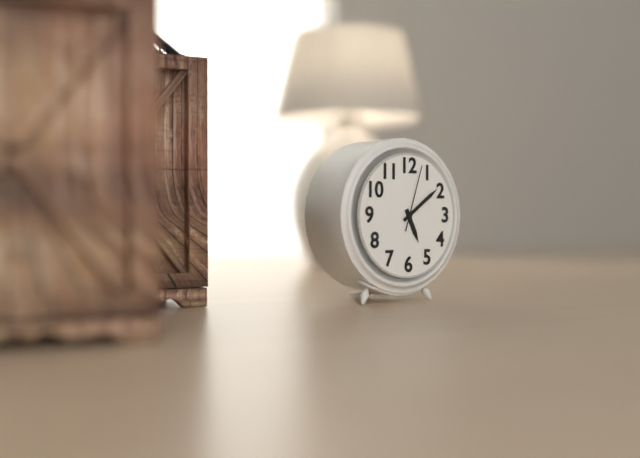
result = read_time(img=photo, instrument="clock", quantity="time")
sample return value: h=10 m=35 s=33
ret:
h=5 m=9 s=3
